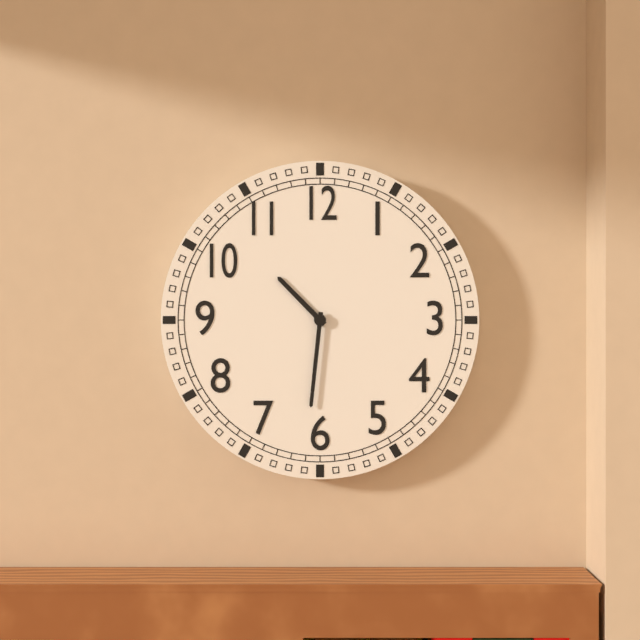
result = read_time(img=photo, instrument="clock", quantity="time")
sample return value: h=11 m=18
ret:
h=10 m=31
